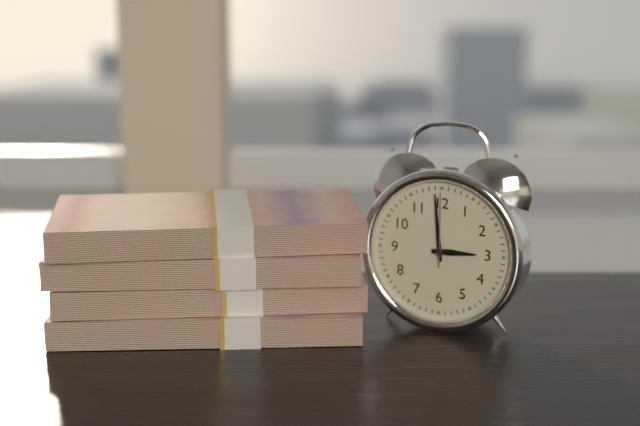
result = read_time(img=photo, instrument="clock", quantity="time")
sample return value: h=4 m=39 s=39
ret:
h=2 m=59 s=0
